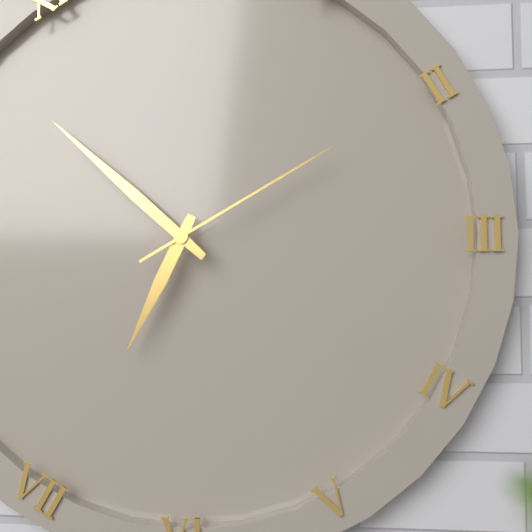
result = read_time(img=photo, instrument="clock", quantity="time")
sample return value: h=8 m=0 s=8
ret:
h=6 m=52 s=10
